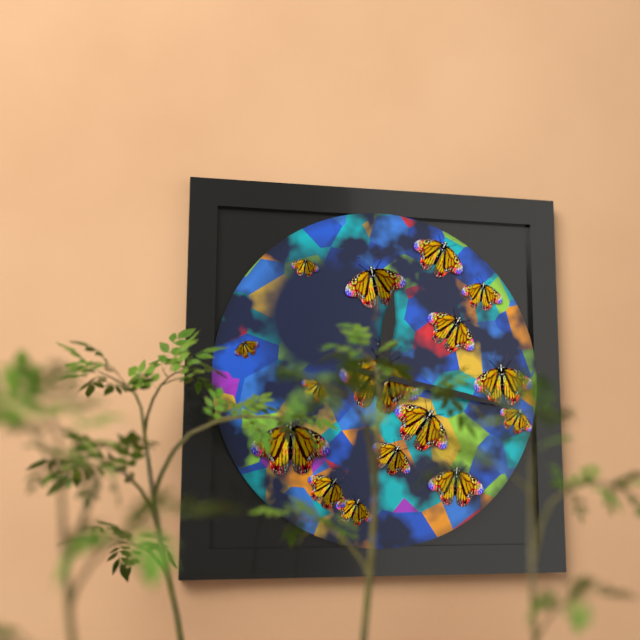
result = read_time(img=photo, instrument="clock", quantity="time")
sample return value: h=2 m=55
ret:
h=12 m=17
